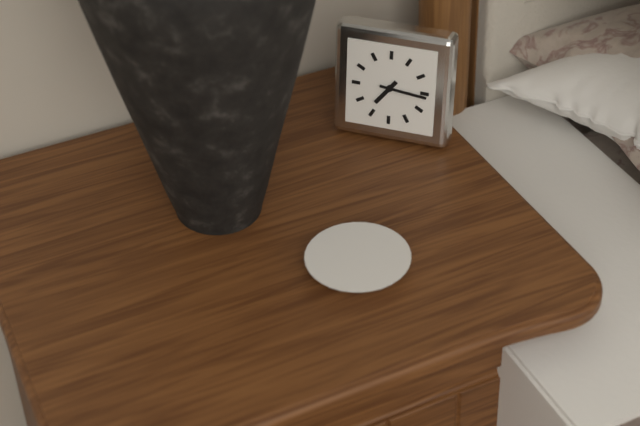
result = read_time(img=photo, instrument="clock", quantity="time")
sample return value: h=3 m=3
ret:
h=7 m=16
